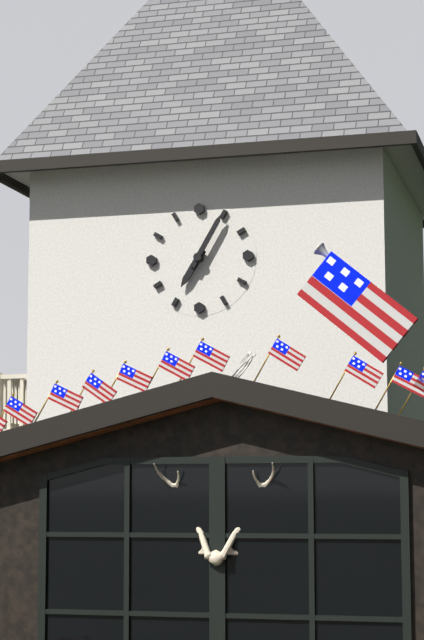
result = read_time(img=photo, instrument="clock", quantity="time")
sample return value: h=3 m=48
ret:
h=7 m=5
